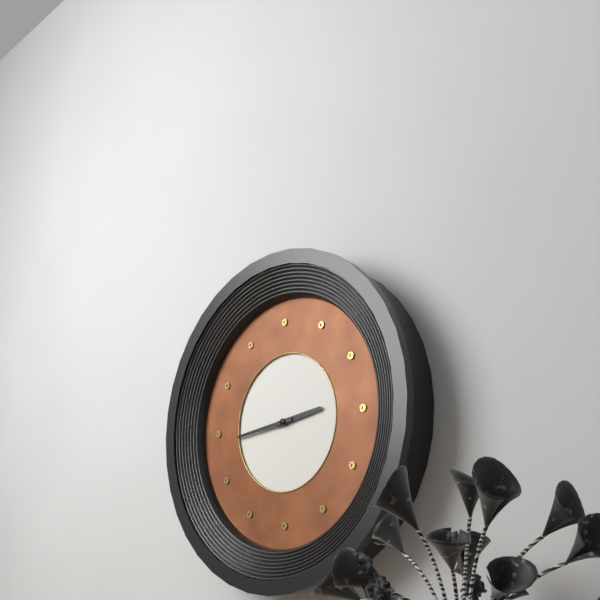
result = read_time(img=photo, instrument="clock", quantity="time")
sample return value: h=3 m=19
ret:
h=2 m=44
